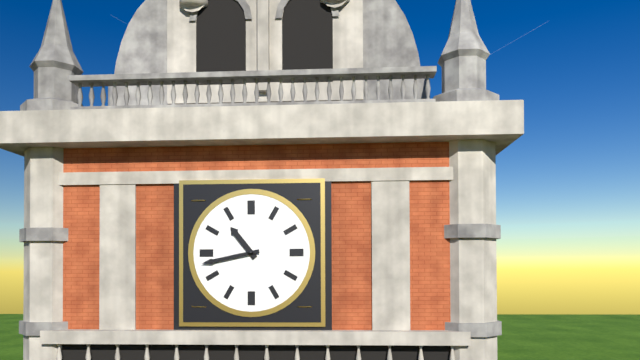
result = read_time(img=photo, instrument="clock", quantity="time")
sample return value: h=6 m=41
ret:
h=10 m=43
